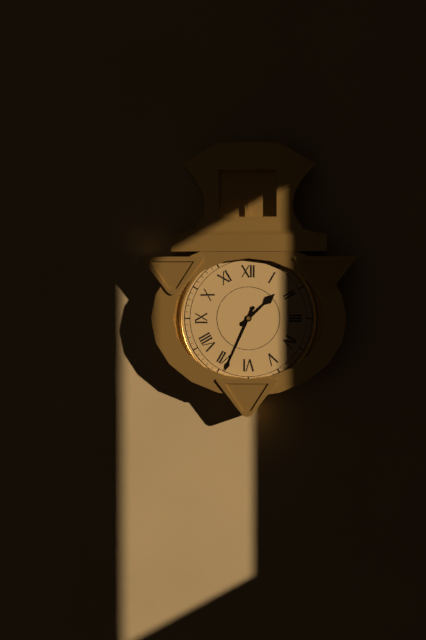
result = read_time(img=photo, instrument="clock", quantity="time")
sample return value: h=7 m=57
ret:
h=1 m=34
